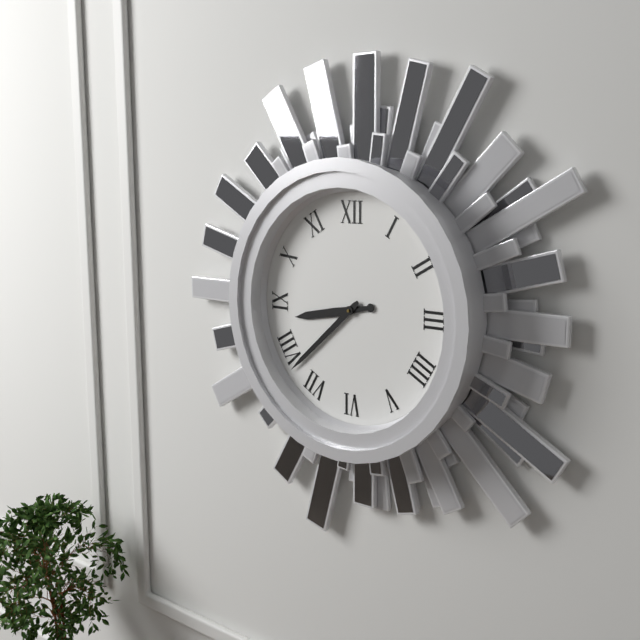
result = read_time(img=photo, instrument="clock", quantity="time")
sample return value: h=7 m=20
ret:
h=8 m=38
